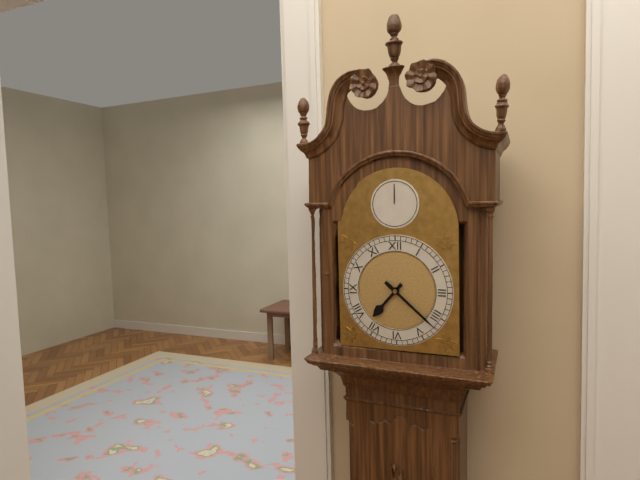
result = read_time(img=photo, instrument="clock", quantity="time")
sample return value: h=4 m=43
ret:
h=7 m=22
